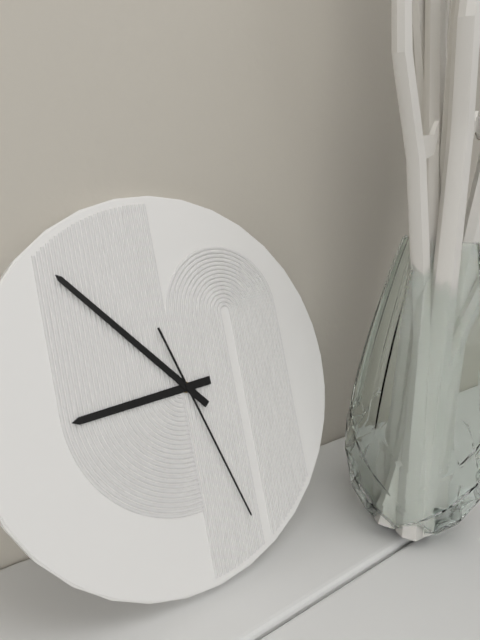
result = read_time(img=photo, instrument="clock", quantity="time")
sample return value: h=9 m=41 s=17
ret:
h=8 m=53 s=27
